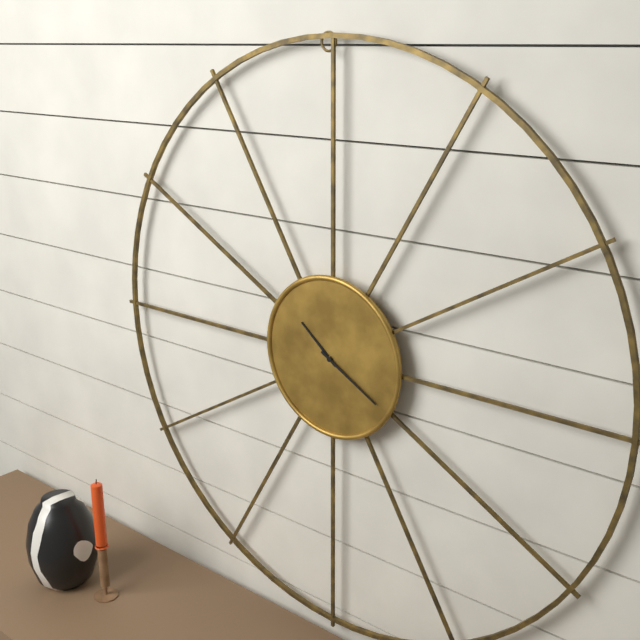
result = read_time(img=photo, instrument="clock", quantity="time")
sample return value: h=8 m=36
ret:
h=10 m=20
